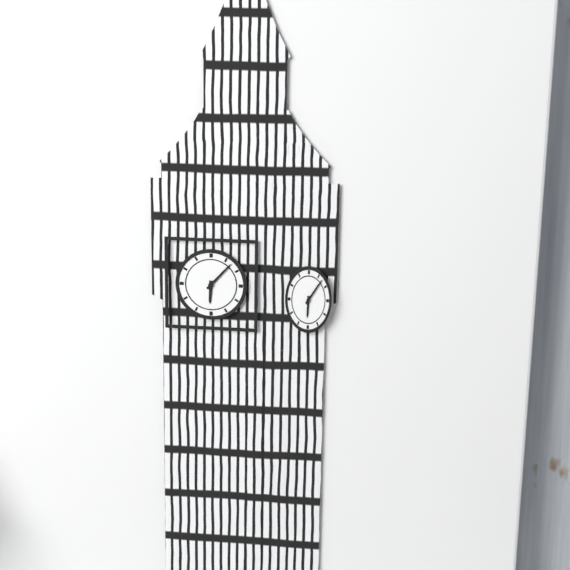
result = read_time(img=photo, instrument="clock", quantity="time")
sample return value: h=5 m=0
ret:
h=6 m=7
